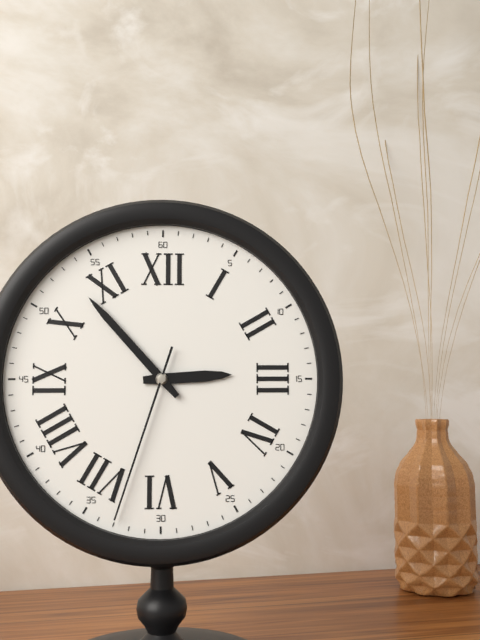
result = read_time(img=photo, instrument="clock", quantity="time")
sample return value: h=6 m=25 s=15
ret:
h=2 m=53 s=33
